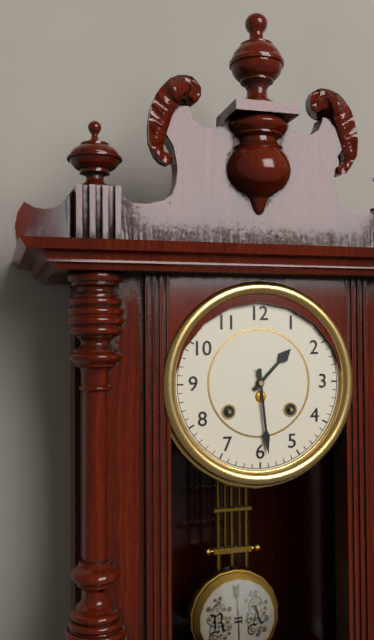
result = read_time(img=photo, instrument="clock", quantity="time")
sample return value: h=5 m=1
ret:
h=1 m=29
